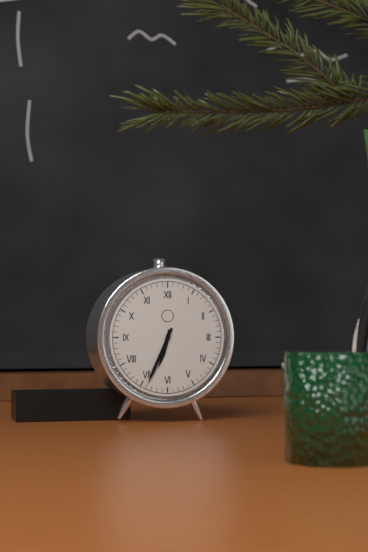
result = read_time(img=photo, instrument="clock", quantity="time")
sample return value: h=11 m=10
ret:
h=6 m=34
